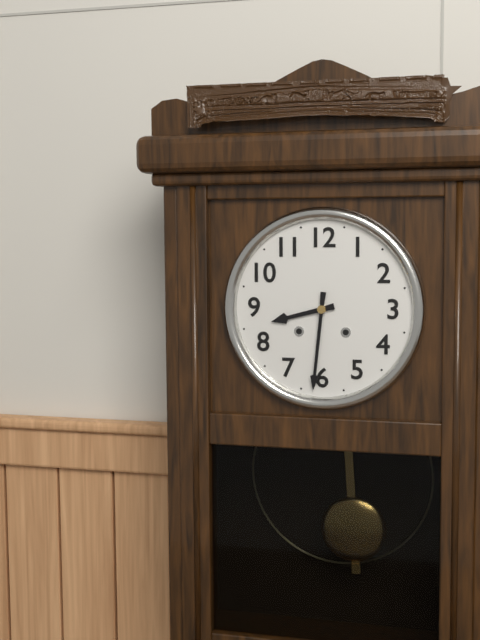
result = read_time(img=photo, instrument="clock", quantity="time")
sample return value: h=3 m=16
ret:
h=8 m=31
